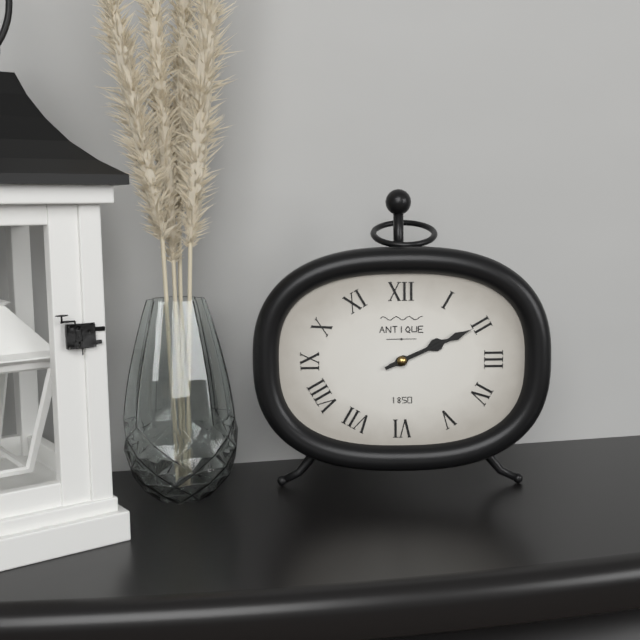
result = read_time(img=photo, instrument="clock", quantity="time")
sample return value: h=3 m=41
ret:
h=2 m=11
